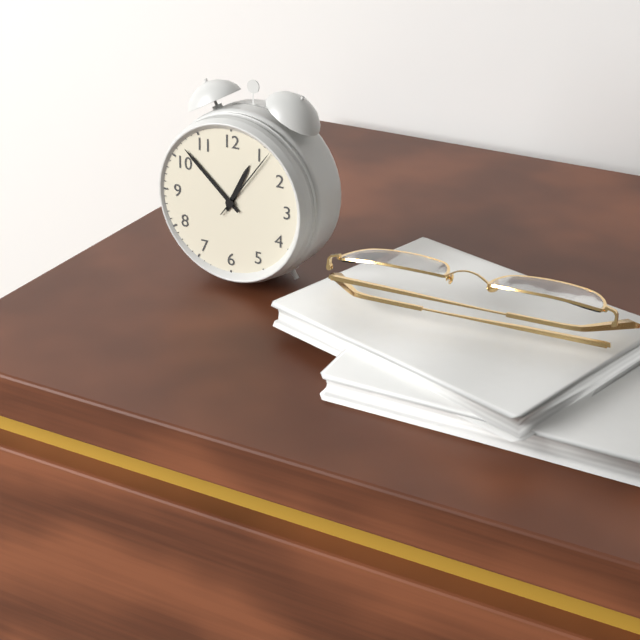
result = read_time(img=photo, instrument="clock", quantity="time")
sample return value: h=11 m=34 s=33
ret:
h=12 m=52 s=6
